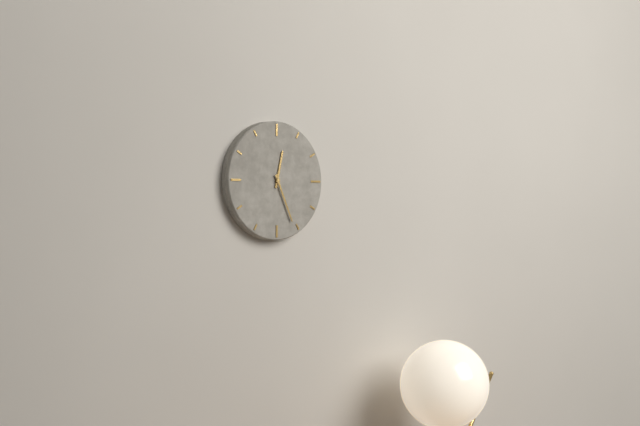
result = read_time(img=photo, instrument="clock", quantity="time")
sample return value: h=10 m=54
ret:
h=12 m=26
